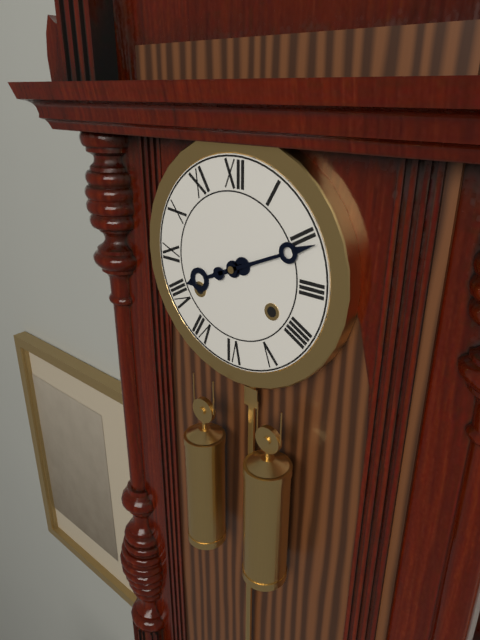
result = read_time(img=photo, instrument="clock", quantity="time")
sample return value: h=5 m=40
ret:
h=8 m=11
